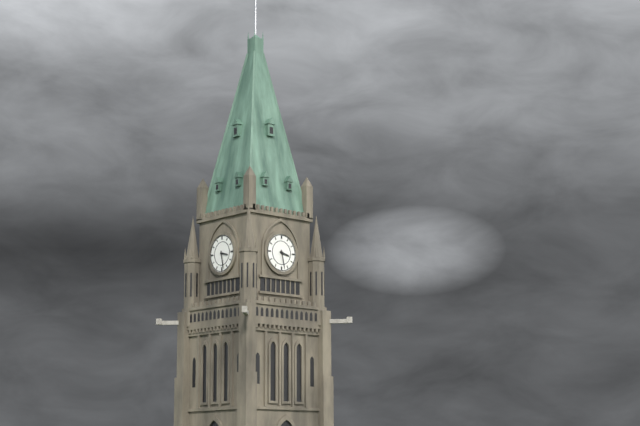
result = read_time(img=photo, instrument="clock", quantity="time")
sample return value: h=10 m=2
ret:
h=3 m=28
